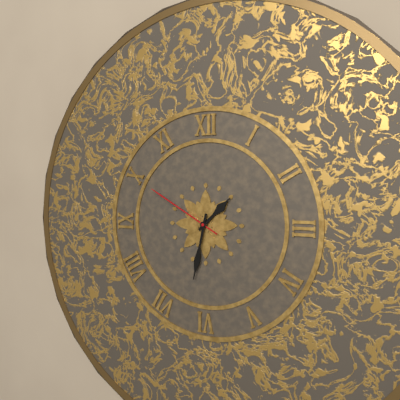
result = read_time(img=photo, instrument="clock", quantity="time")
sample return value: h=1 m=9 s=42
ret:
h=1 m=32 s=50
